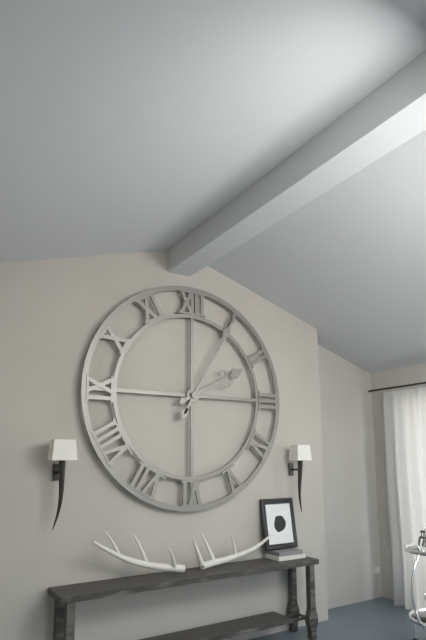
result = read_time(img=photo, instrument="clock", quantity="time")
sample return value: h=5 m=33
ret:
h=2 m=5
